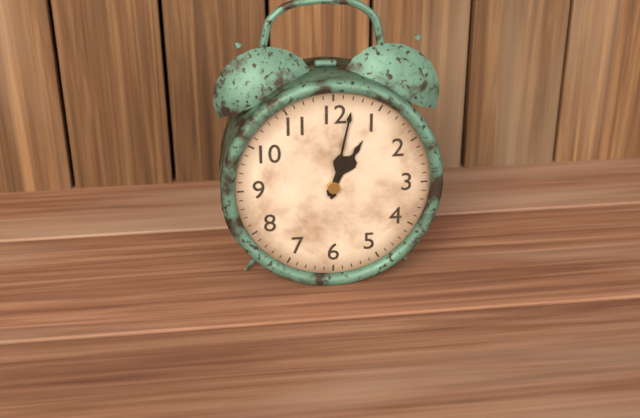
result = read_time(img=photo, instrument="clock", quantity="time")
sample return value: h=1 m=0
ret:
h=1 m=2
